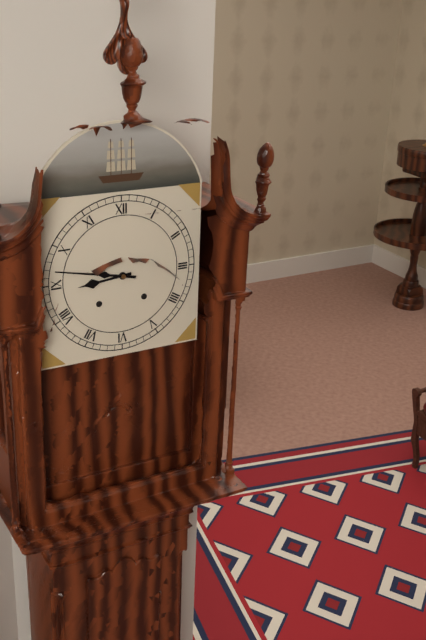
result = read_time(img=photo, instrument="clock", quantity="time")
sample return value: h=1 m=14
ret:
h=8 m=47
